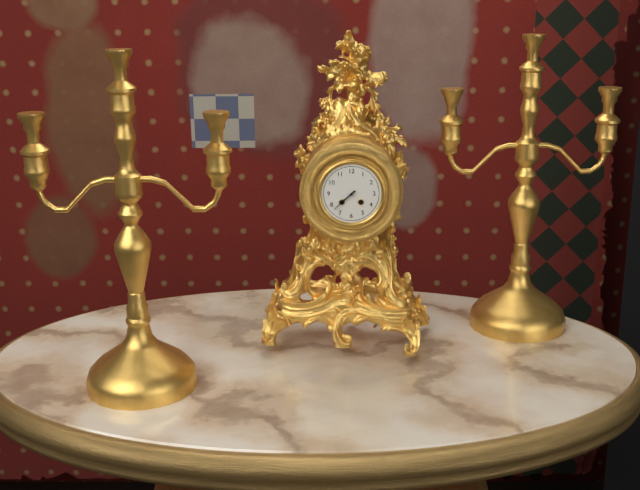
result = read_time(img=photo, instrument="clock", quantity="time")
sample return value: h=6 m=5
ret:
h=7 m=38
